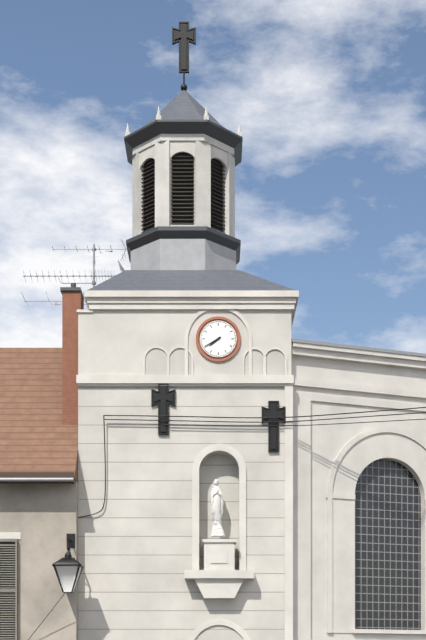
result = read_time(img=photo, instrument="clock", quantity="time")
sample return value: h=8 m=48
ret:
h=7 m=40
